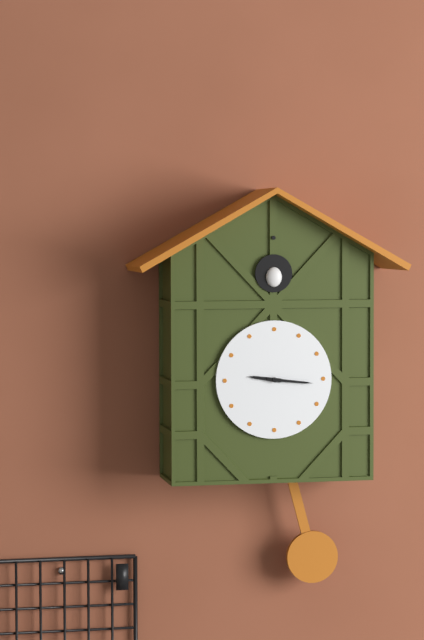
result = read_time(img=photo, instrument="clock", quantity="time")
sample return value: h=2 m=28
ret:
h=9 m=16
